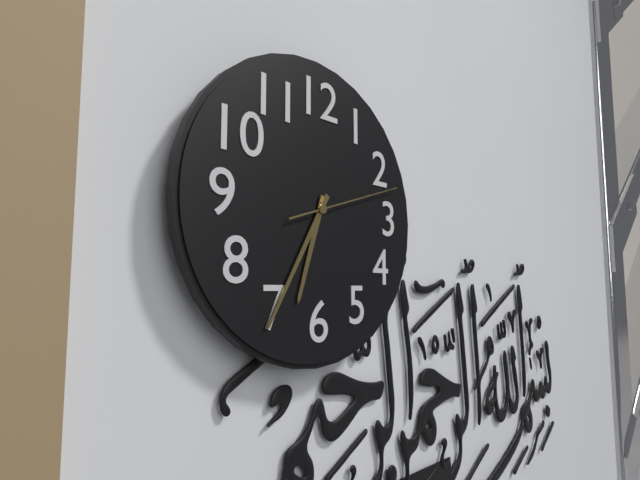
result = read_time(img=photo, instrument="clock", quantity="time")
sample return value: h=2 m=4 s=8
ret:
h=6 m=35 s=12
